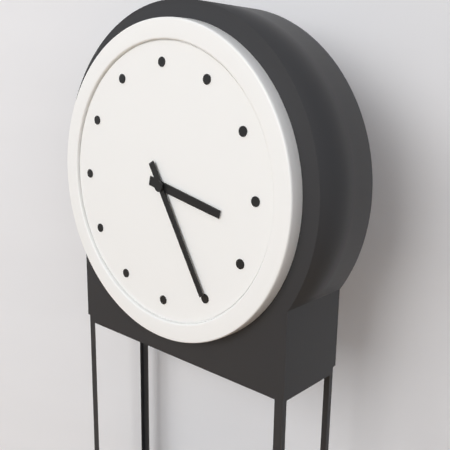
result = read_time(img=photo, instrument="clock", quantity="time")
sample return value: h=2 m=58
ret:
h=3 m=25
